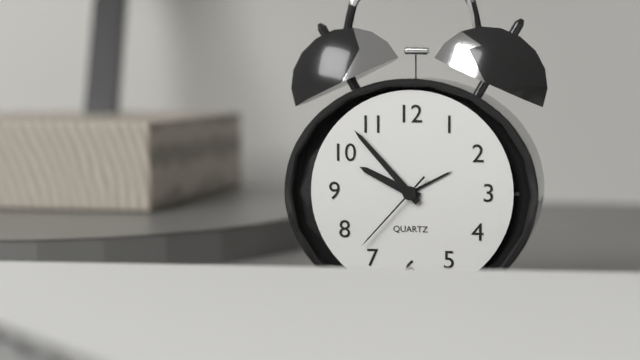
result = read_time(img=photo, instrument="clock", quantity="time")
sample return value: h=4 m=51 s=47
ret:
h=9 m=53 s=37
